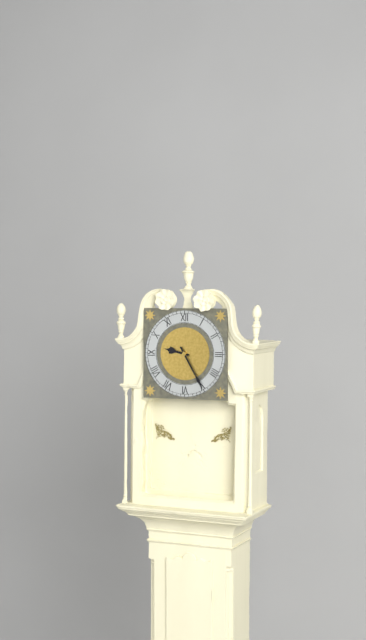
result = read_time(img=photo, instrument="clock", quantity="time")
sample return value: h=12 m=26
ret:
h=9 m=25
